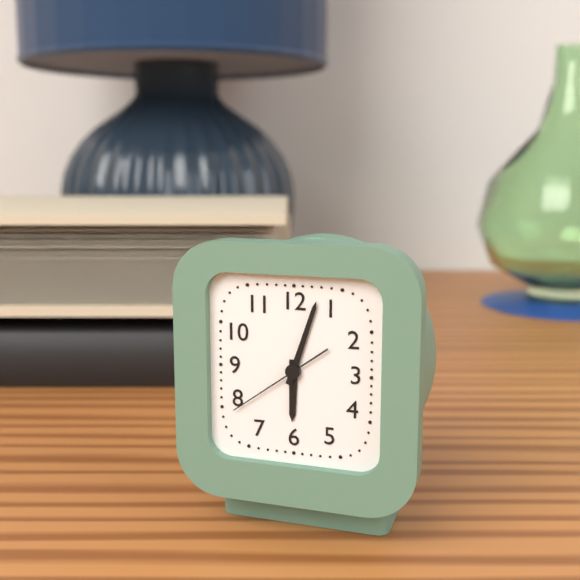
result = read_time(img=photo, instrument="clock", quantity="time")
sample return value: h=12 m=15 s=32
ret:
h=6 m=3 s=39
